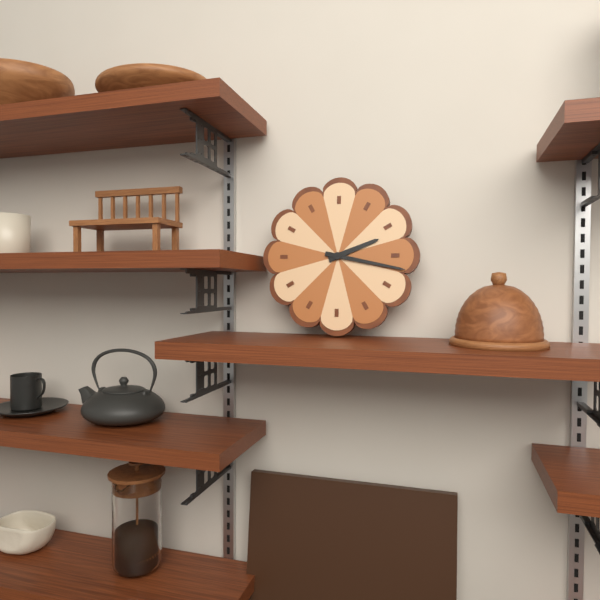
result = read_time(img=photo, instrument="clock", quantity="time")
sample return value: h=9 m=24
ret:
h=2 m=17
